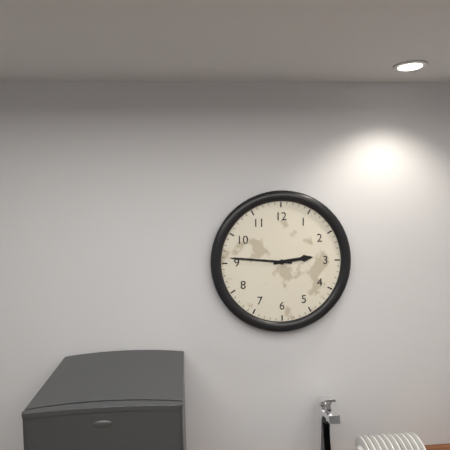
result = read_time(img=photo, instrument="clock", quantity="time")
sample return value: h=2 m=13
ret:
h=2 m=46
